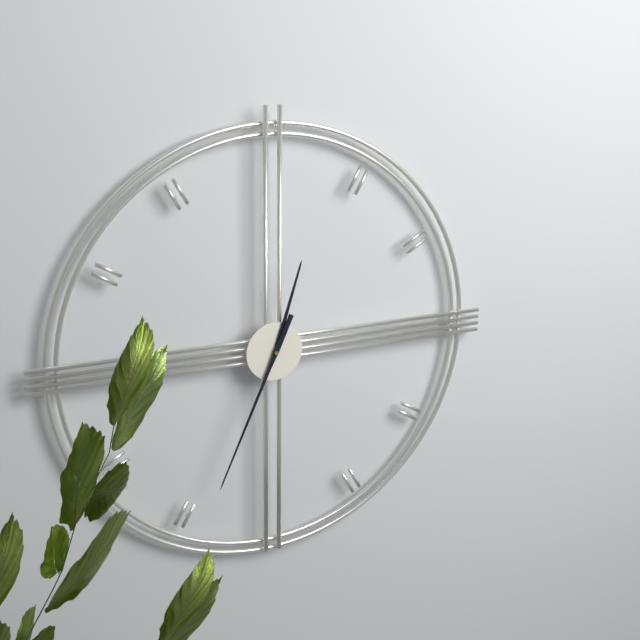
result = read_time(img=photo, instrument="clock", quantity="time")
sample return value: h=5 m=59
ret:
h=12 m=34
